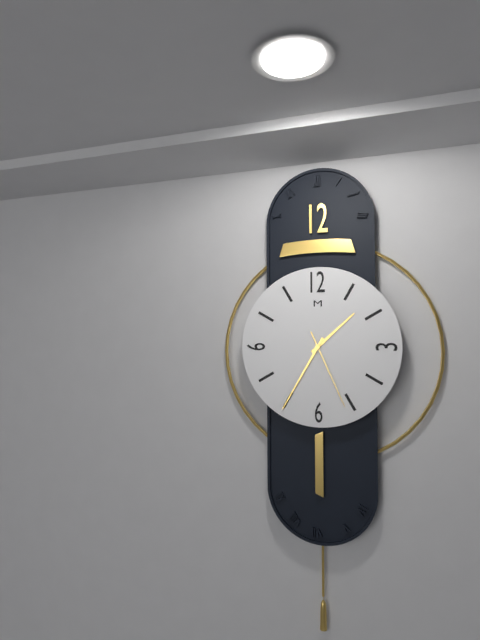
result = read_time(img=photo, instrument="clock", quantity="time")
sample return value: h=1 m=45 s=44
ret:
h=1 m=35 s=26
